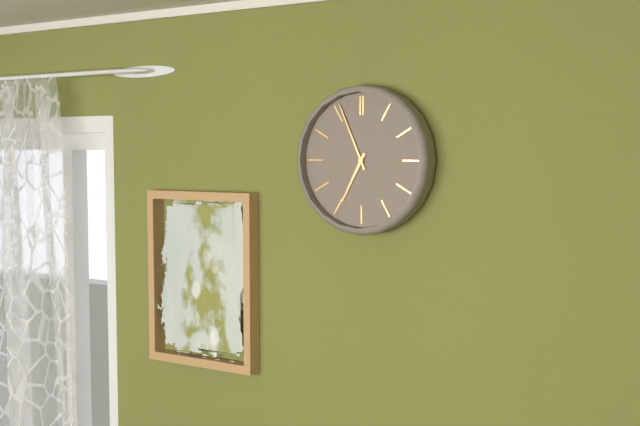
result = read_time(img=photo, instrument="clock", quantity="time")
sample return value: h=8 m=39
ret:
h=6 m=56
